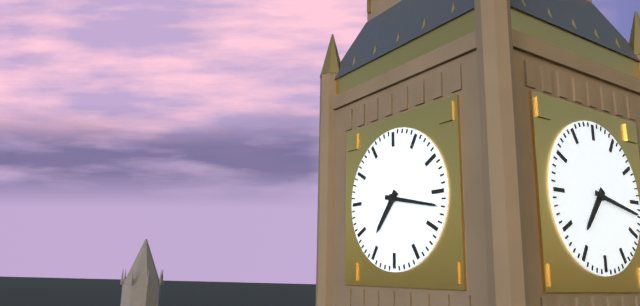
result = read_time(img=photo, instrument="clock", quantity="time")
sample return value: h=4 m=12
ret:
h=7 m=17
